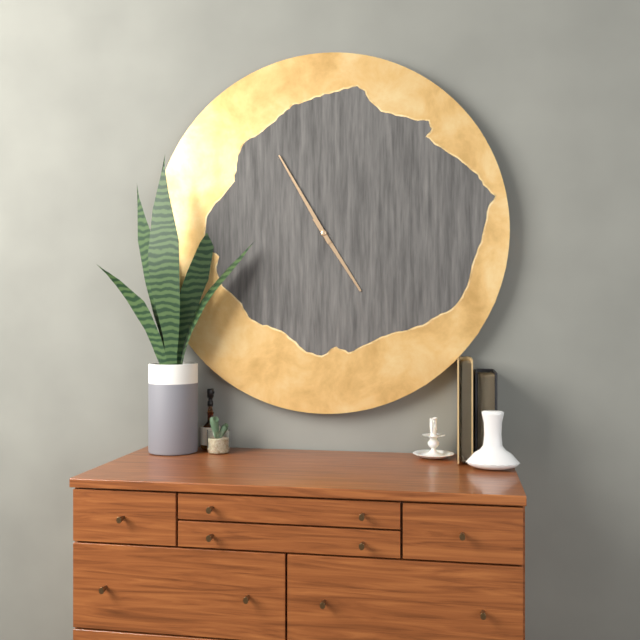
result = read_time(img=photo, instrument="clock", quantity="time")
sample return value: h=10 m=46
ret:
h=4 m=55
